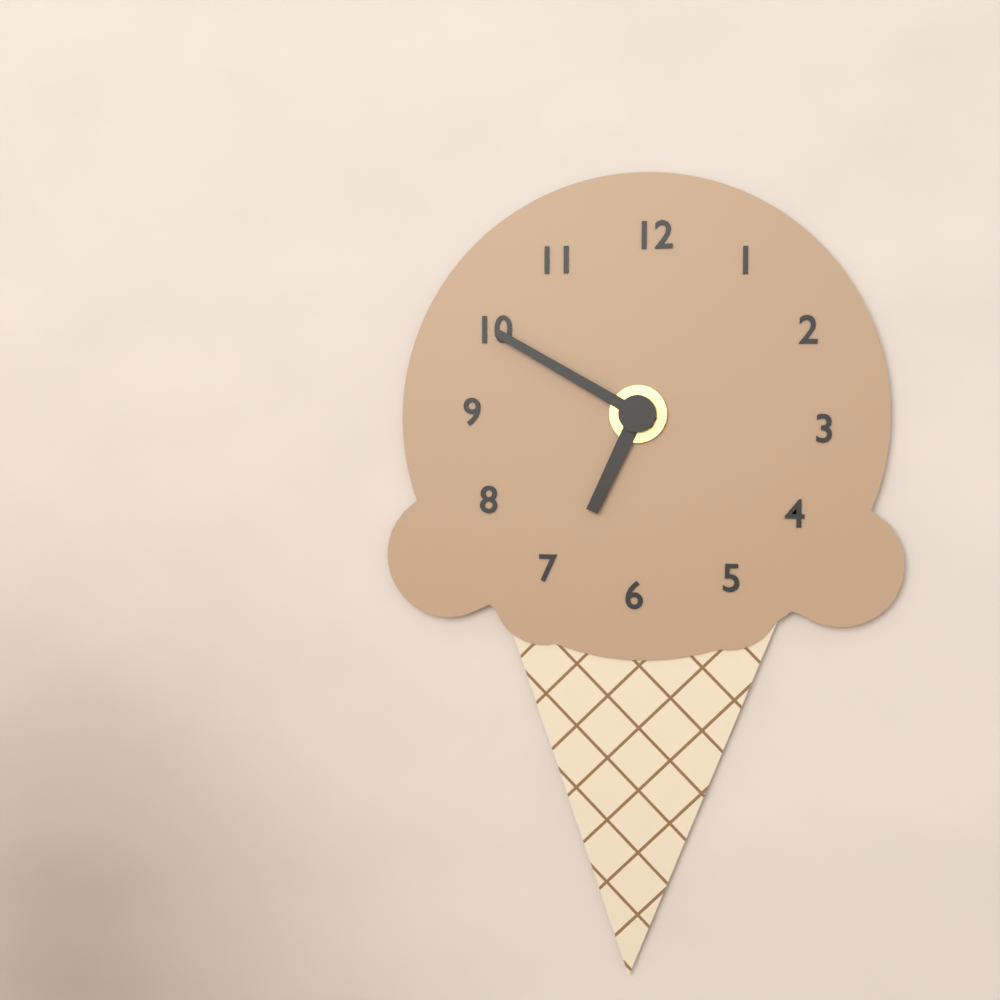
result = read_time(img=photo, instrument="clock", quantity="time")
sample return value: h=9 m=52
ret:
h=6 m=50
